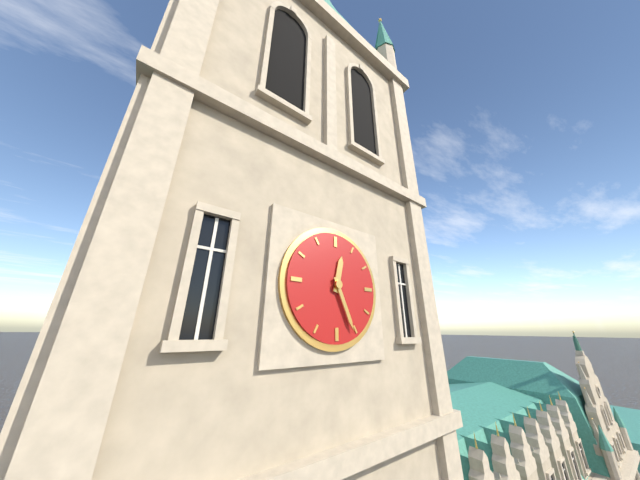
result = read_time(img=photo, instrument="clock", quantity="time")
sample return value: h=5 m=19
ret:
h=12 m=26
